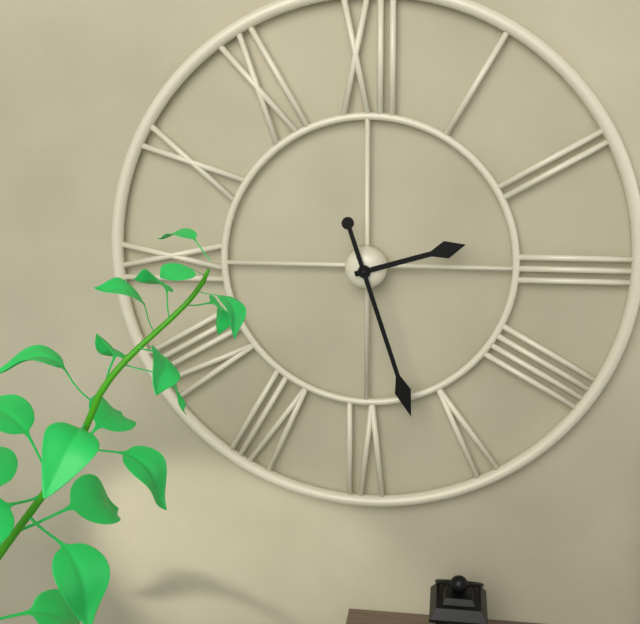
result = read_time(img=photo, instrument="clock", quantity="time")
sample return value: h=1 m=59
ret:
h=2 m=27
